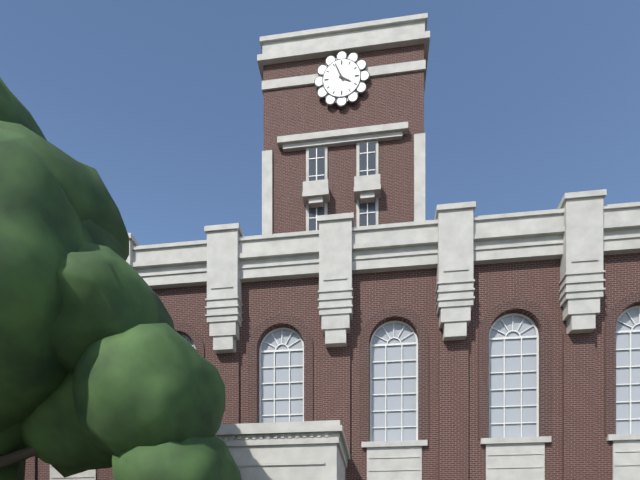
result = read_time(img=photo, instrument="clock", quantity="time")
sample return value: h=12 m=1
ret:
h=3 m=56
